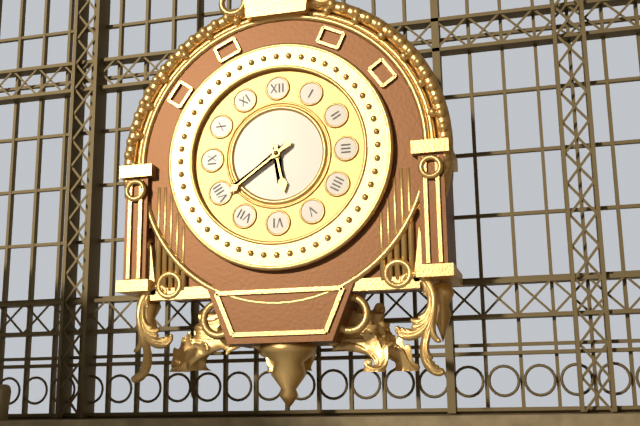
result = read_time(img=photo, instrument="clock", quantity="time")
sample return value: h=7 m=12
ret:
h=5 m=39
